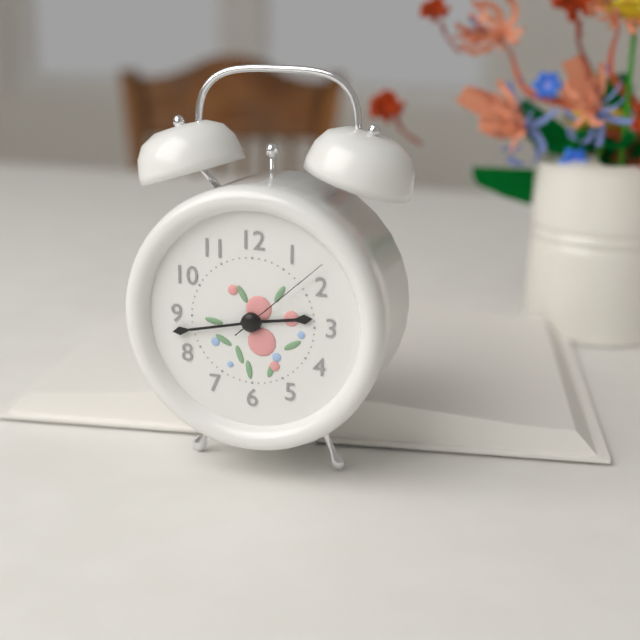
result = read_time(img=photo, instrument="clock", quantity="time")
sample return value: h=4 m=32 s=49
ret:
h=2 m=43 s=8
